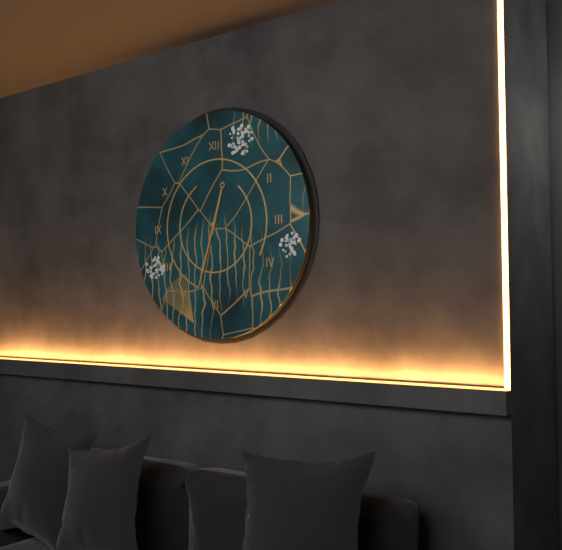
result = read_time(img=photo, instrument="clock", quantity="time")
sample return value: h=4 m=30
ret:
h=12 m=33
